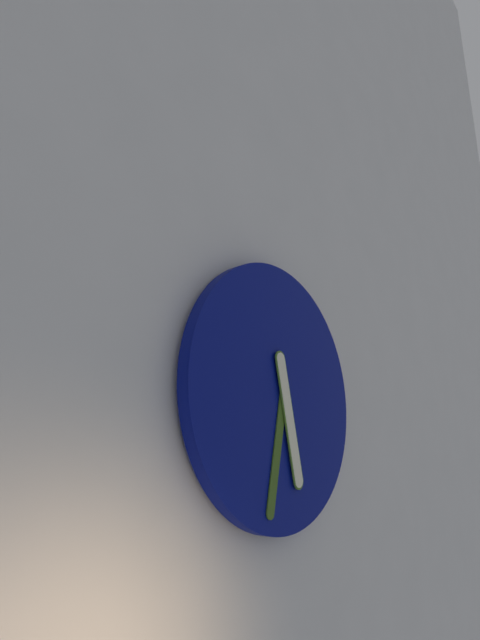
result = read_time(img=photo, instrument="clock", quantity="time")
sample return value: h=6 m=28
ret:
h=5 m=32
